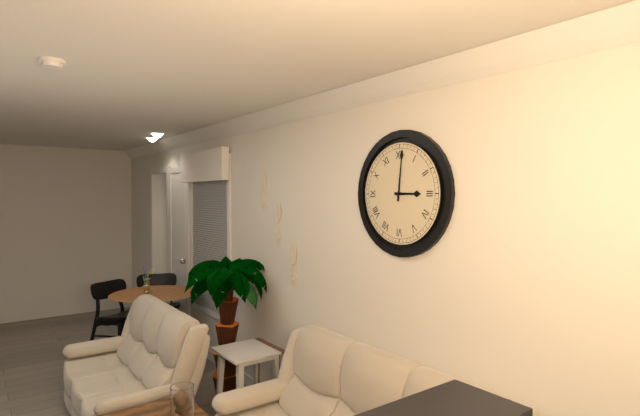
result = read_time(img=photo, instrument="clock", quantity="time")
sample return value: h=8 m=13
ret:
h=3 m=1
